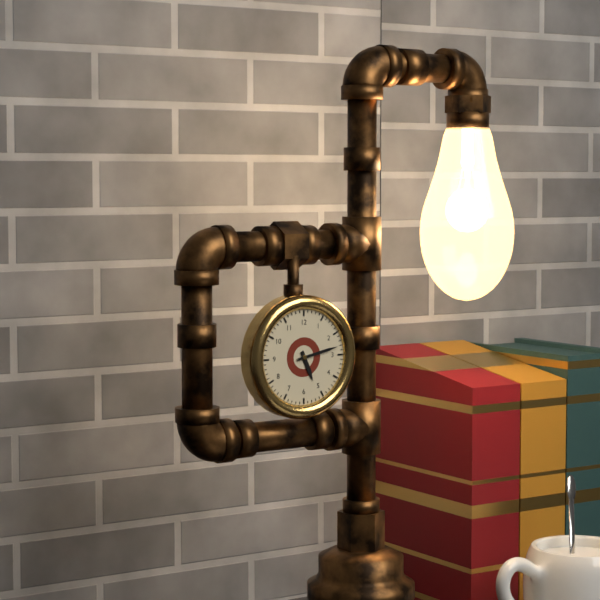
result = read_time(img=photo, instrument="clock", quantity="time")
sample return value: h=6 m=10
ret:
h=5 m=13
